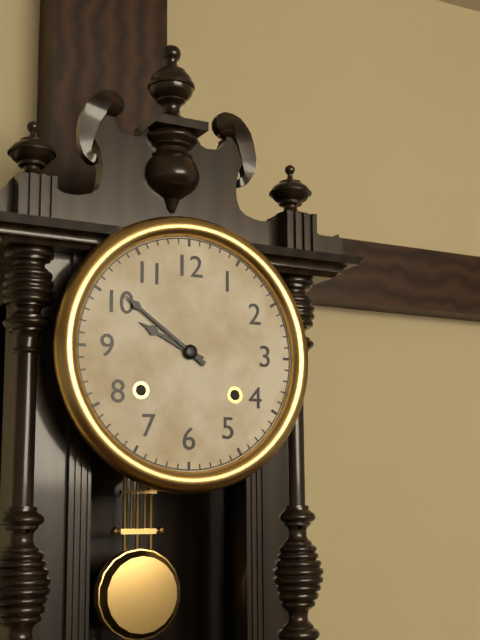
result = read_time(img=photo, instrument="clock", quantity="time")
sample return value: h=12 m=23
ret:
h=9 m=51
